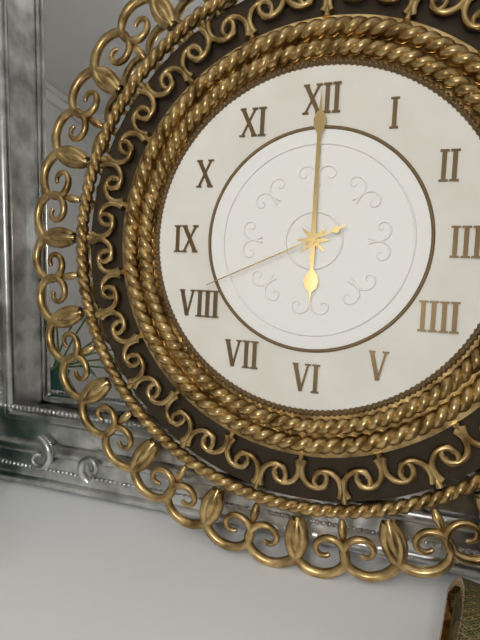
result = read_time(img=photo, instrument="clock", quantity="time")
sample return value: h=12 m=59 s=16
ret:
h=6 m=0 s=41
